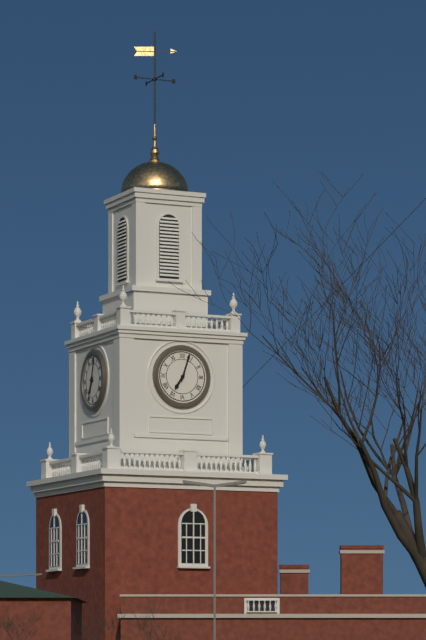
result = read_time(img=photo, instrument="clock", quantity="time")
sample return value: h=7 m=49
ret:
h=7 m=3
